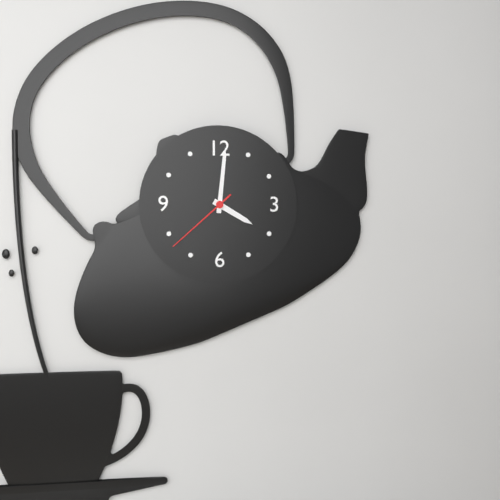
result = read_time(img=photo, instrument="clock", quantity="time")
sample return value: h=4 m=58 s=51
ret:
h=4 m=1 s=38
